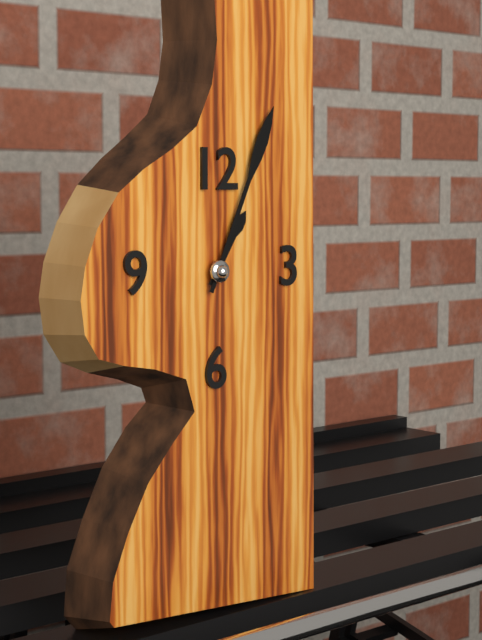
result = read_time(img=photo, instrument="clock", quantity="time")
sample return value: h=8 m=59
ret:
h=1 m=4
